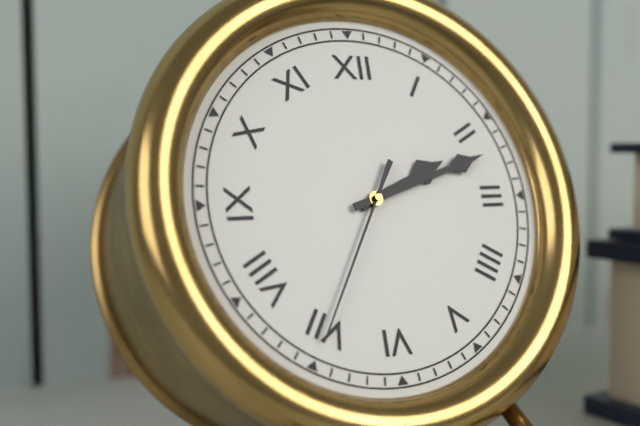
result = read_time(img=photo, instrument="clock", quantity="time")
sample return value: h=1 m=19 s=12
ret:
h=2 m=12 s=35
